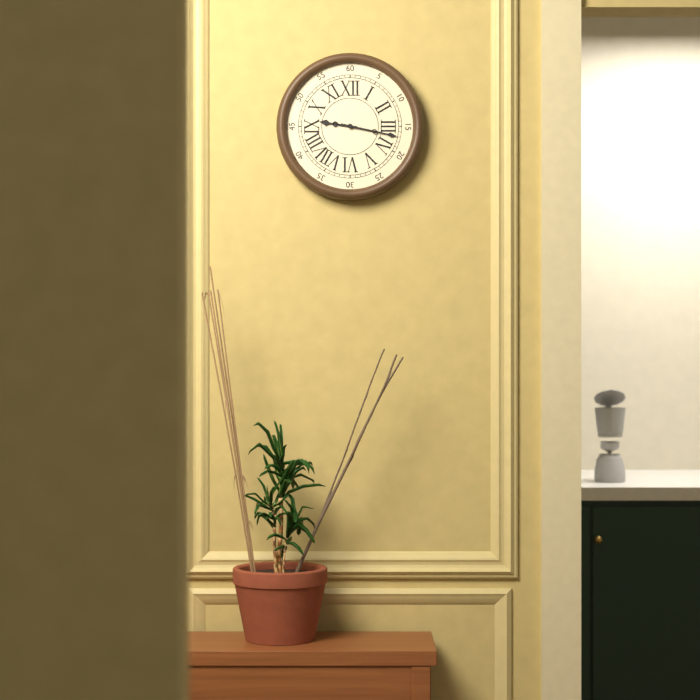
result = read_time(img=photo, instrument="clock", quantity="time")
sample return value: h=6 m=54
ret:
h=9 m=17
